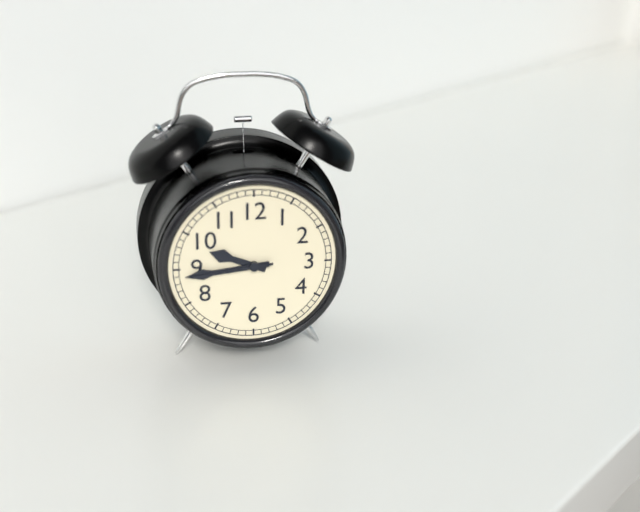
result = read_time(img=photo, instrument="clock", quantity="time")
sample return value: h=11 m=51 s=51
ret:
h=9 m=44 s=44
